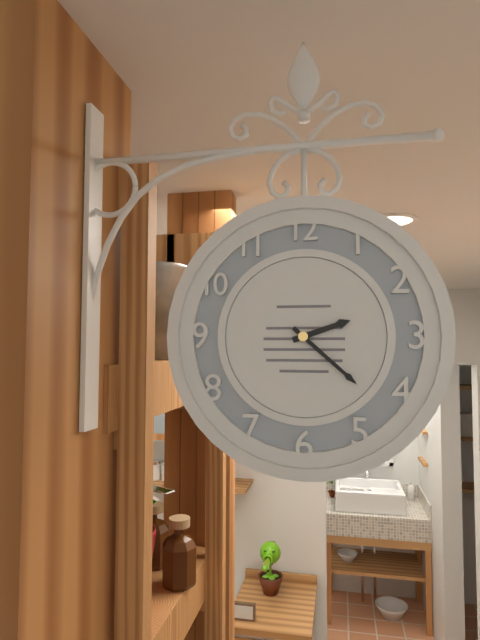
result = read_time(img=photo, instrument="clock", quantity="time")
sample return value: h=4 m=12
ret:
h=2 m=22
